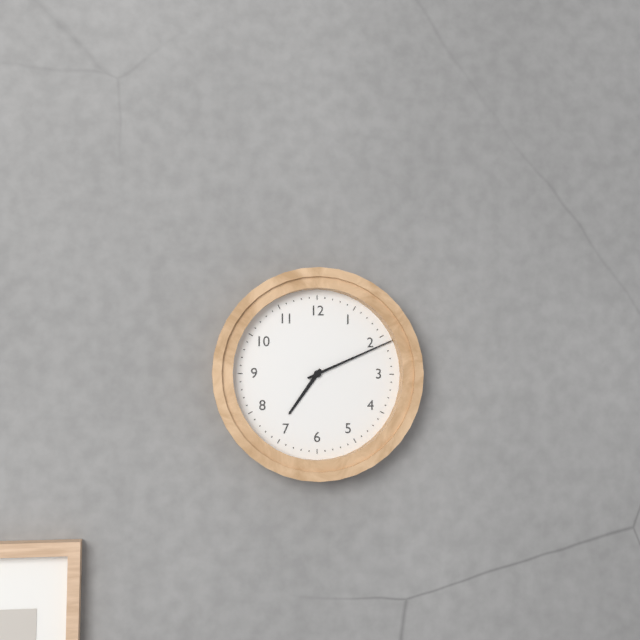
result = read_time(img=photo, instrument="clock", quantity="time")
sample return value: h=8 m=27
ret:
h=7 m=11
